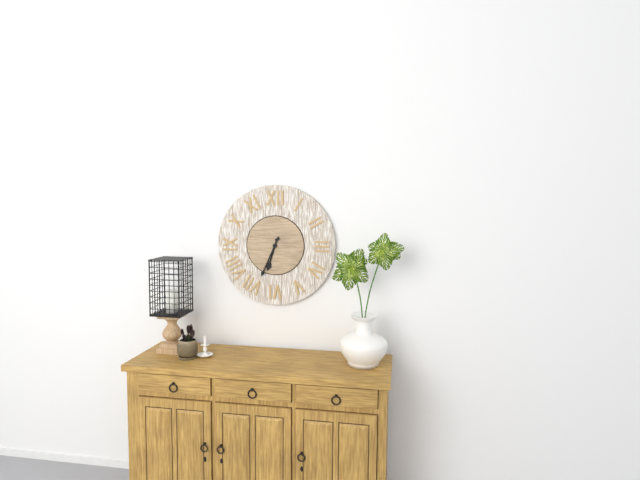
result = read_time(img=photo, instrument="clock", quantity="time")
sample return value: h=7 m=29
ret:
h=6 m=34
